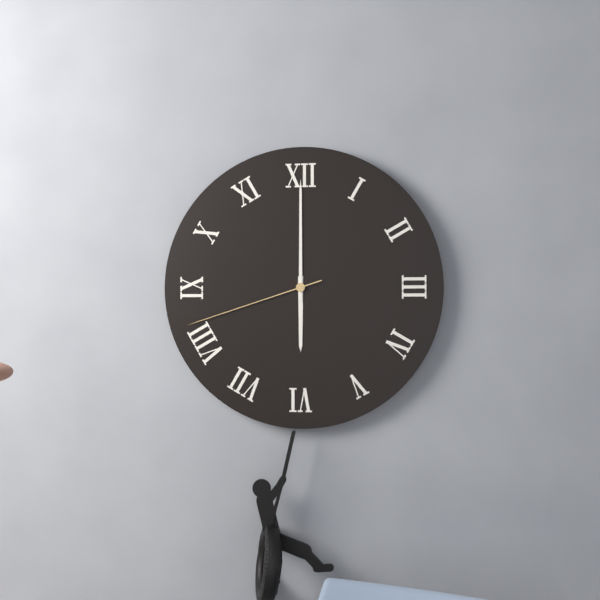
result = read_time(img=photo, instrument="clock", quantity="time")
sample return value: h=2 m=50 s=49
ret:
h=6 m=0 s=42
